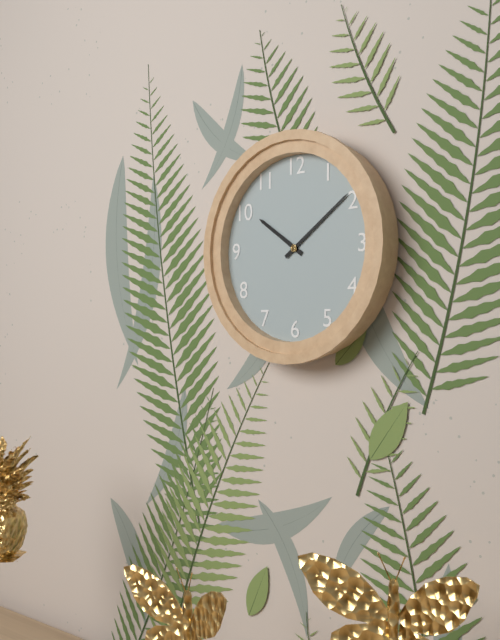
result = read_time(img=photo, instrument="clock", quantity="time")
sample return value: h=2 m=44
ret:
h=10 m=9
